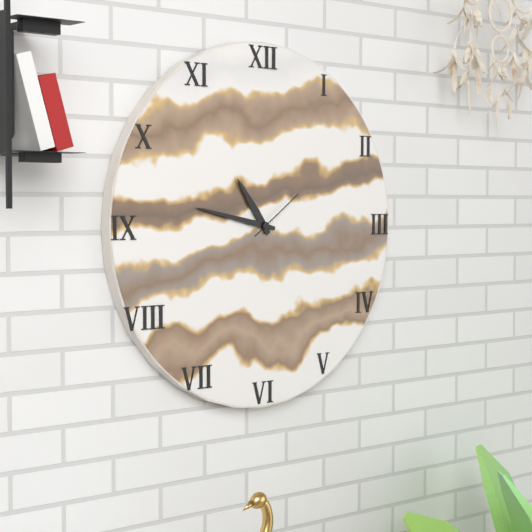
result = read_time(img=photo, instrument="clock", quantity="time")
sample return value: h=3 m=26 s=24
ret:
h=10 m=47 s=9
